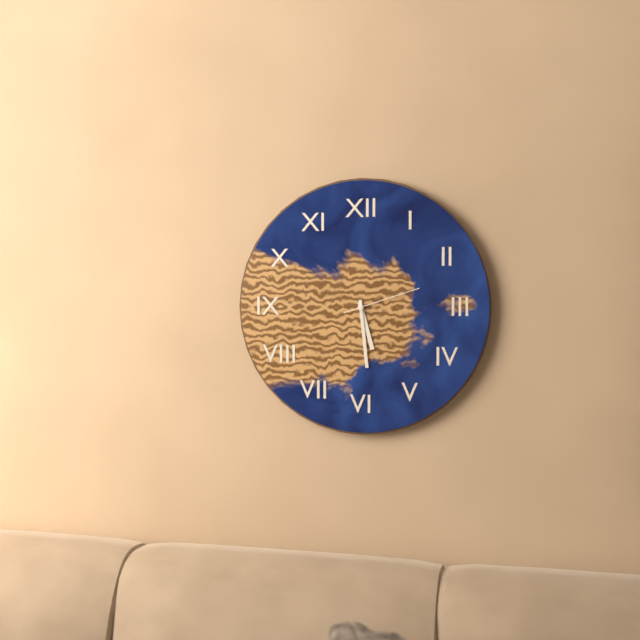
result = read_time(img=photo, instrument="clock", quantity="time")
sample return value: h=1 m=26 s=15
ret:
h=5 m=29 s=12
